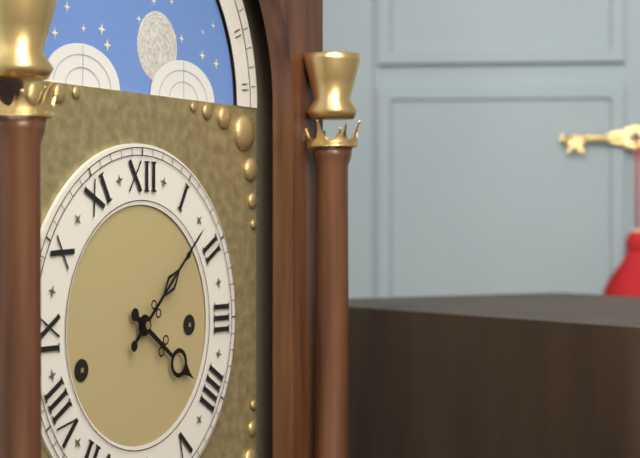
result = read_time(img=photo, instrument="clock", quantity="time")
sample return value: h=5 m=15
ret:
h=4 m=8
